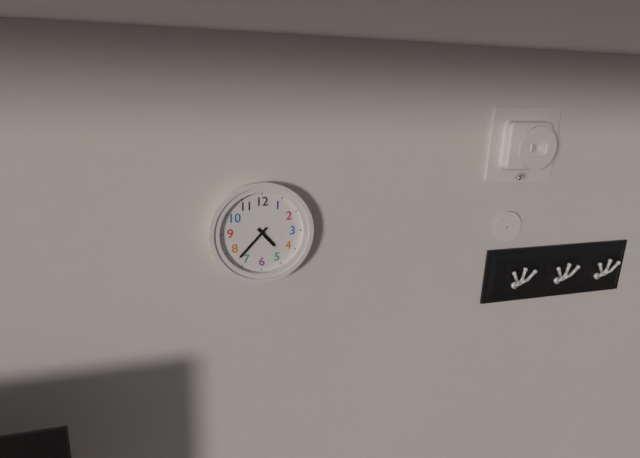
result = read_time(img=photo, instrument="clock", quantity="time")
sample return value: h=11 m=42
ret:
h=4 m=37
